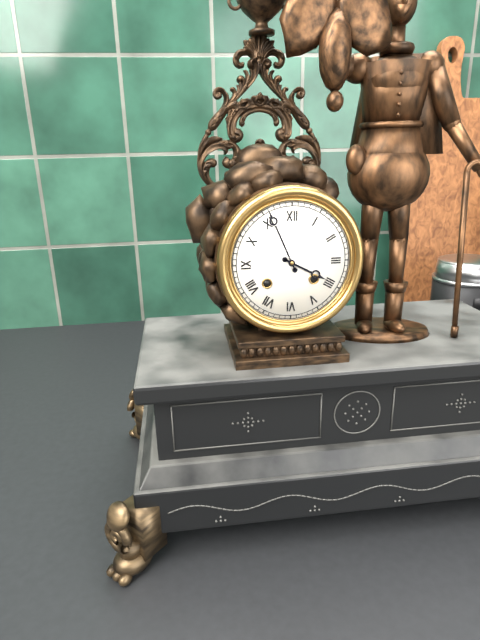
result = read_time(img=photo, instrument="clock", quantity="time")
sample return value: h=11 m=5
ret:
h=3 m=56
